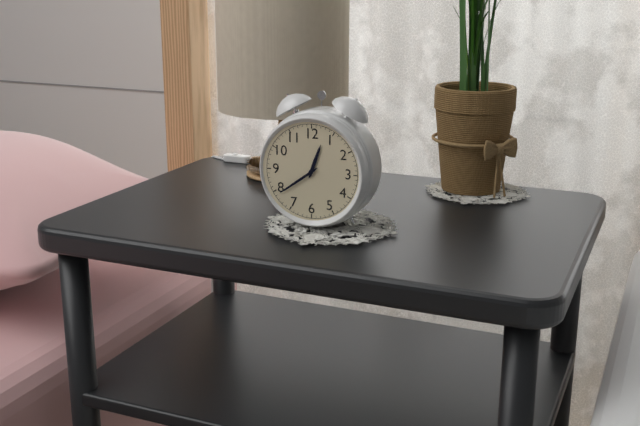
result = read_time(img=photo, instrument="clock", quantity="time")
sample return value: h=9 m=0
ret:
h=12 m=39
